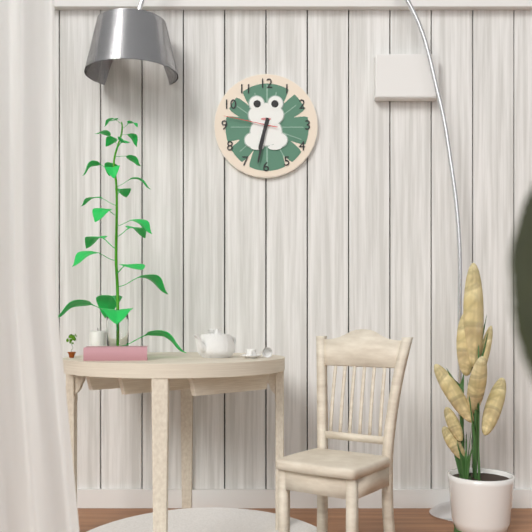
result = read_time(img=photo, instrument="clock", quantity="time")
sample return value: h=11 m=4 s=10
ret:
h=6 m=32 s=47
